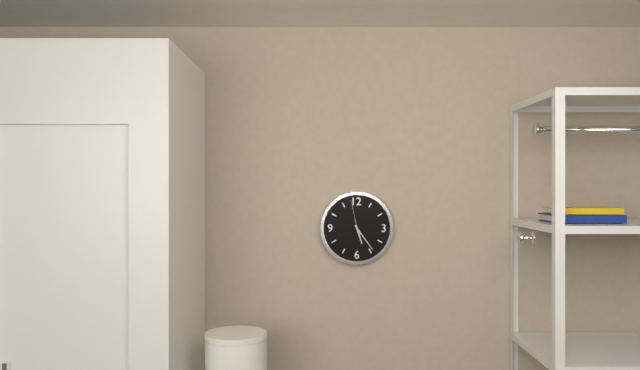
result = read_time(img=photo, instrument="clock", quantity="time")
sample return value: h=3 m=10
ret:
h=5 m=24
